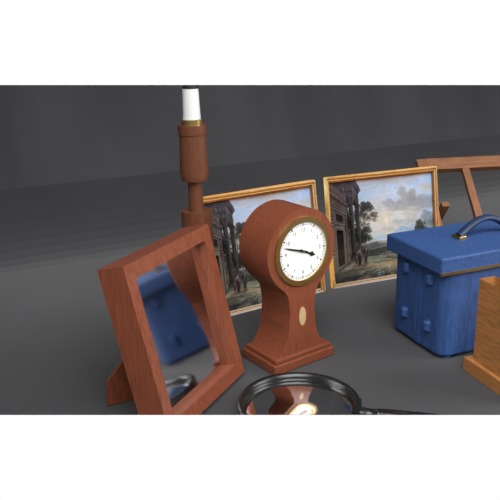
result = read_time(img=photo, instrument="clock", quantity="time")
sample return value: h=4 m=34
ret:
h=3 m=48
